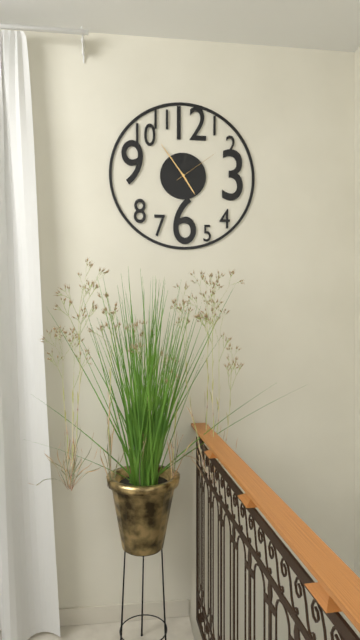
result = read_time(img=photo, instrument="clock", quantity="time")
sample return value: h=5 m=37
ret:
h=4 m=54
